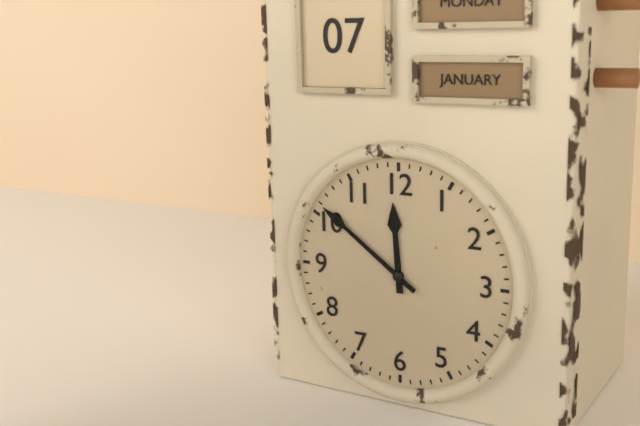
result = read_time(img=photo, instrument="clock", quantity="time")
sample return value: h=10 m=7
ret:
h=11 m=51
